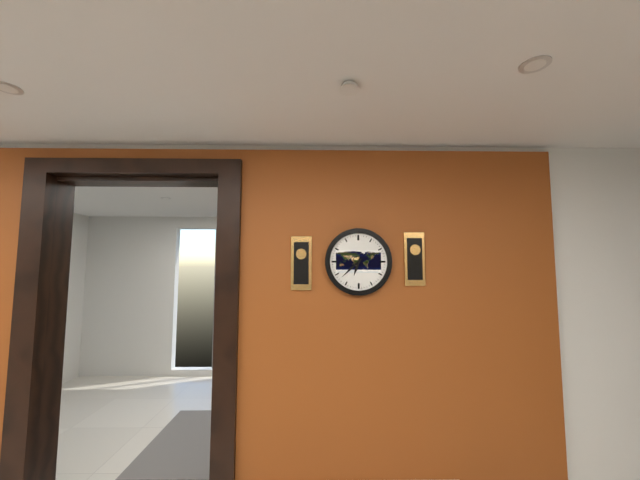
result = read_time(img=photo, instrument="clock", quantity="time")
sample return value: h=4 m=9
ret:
h=6 m=38
